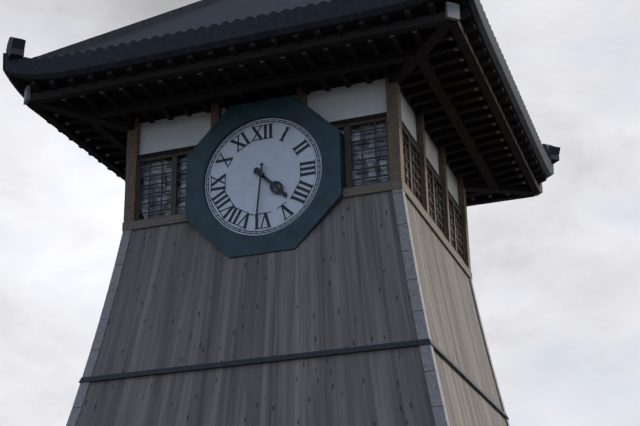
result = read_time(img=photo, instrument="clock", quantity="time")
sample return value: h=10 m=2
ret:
h=4 m=31
